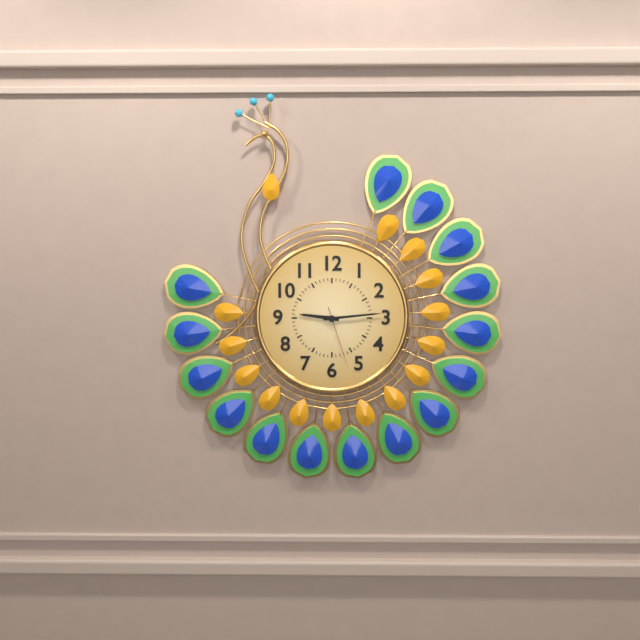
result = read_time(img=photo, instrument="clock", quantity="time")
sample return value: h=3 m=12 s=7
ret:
h=9 m=14 s=27
